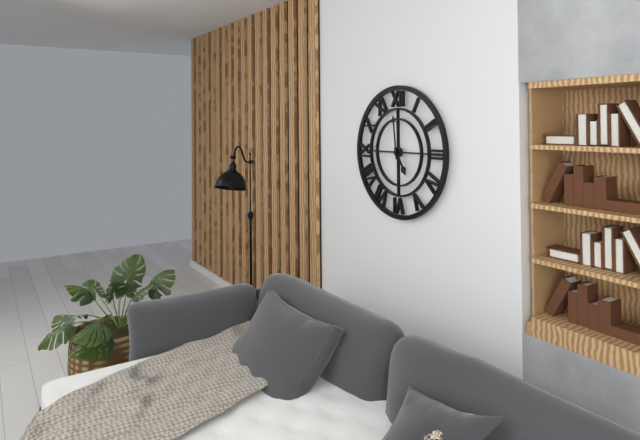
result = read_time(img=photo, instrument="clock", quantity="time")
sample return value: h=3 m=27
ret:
h=4 m=59
